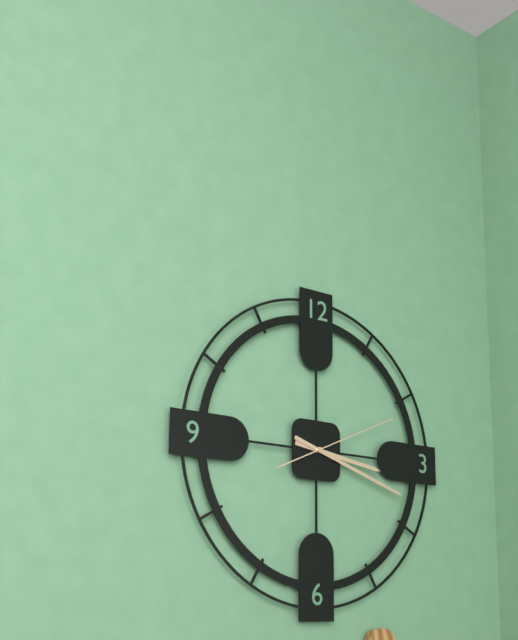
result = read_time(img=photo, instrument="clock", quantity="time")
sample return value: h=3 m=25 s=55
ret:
h=3 m=18 s=11
